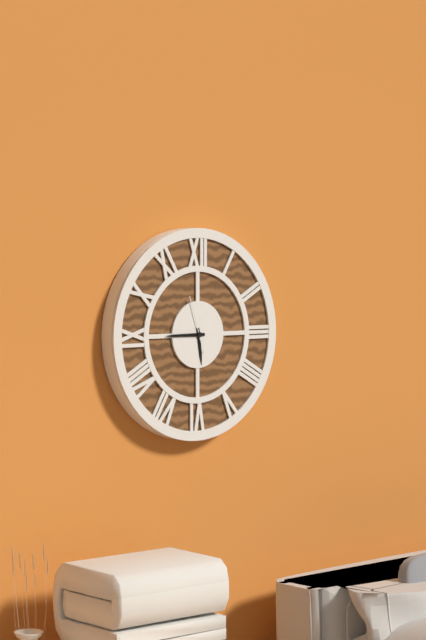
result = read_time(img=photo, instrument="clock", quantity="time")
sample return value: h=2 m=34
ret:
h=5 m=45
